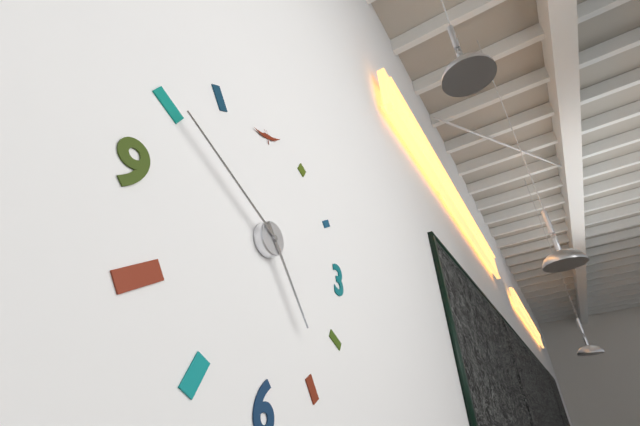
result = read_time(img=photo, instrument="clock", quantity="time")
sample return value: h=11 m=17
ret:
h=4 m=50
